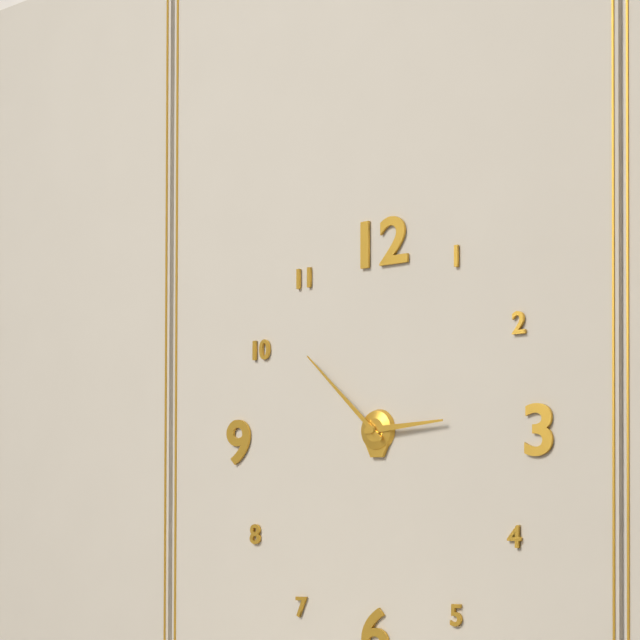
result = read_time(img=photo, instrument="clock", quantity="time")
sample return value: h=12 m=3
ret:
h=2 m=52
